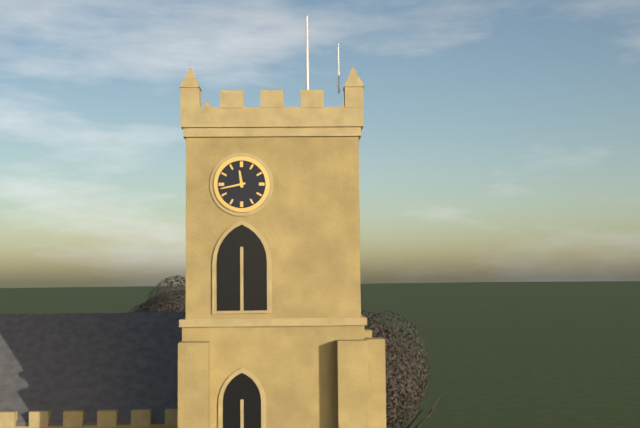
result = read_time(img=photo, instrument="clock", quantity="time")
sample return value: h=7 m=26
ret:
h=11 m=43
